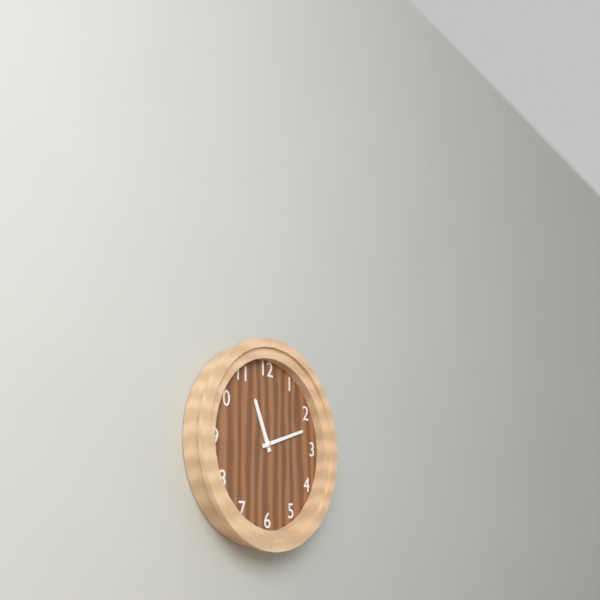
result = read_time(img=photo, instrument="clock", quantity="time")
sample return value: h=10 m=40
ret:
h=11 m=12
